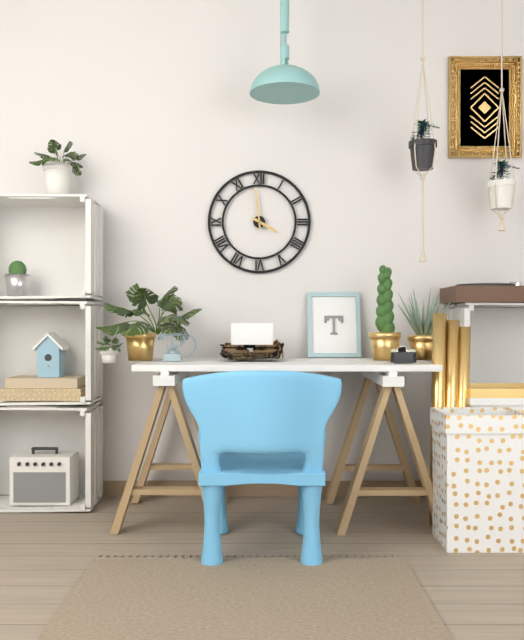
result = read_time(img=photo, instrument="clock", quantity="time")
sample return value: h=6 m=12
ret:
h=3 m=59
